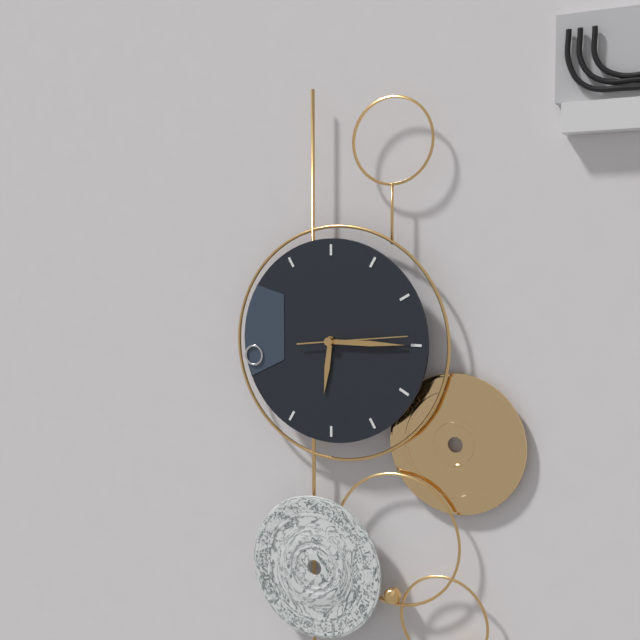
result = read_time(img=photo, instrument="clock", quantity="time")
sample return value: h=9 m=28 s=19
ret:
h=6 m=15 s=14
